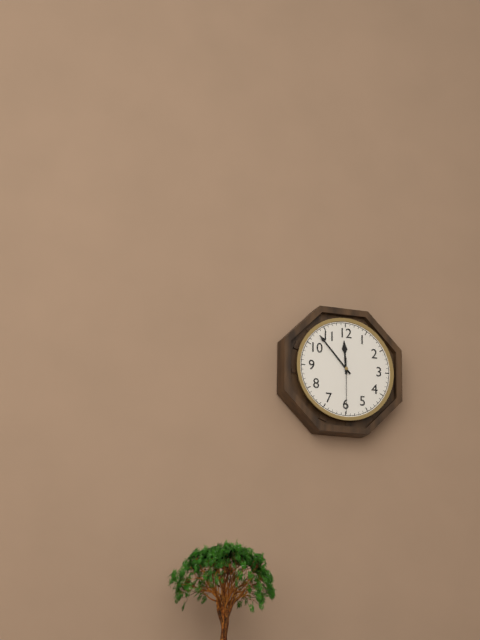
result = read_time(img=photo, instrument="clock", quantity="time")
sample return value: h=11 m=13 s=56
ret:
h=11 m=53 s=30
